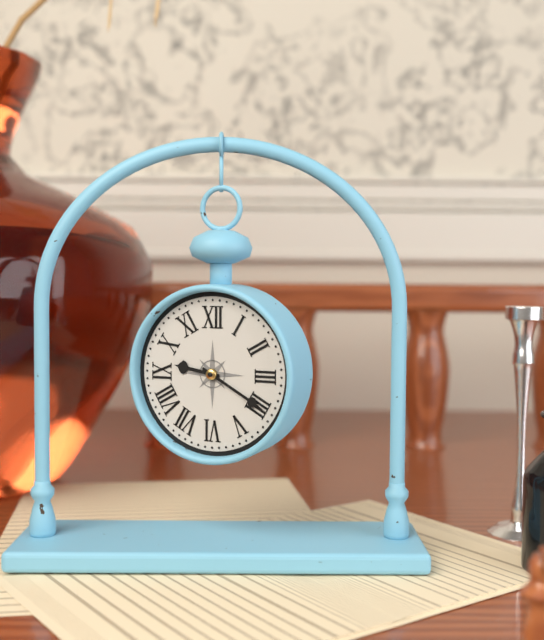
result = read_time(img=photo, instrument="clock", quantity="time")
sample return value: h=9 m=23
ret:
h=9 m=20
